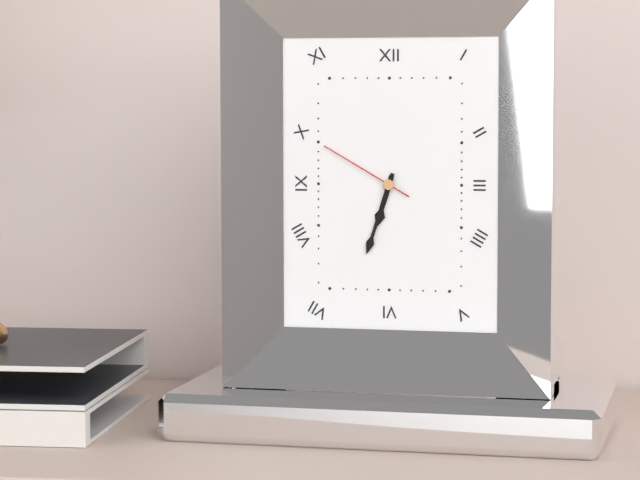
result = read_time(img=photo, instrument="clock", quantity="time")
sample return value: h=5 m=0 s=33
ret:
h=6 m=33 s=50
